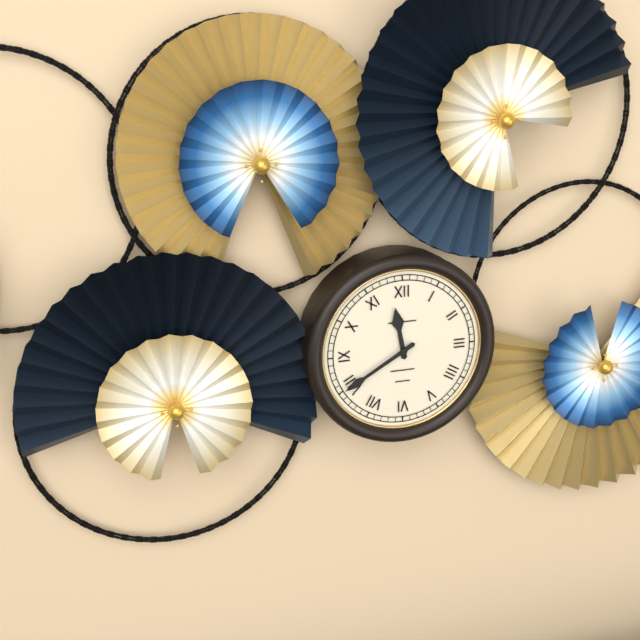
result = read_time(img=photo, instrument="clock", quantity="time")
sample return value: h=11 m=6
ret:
h=11 m=40
